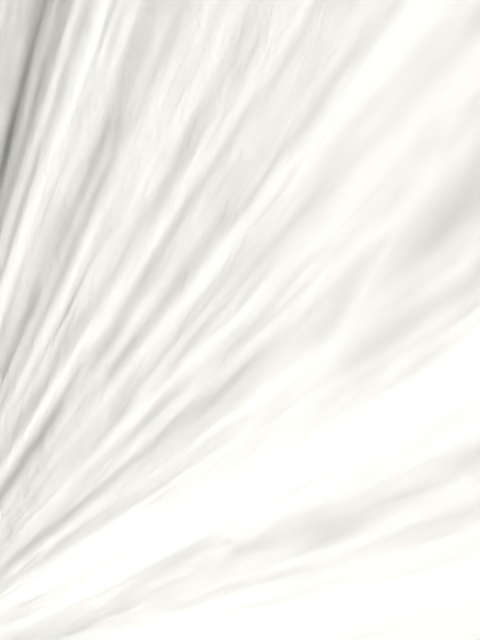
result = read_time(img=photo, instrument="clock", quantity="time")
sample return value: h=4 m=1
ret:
h=12 m=2
